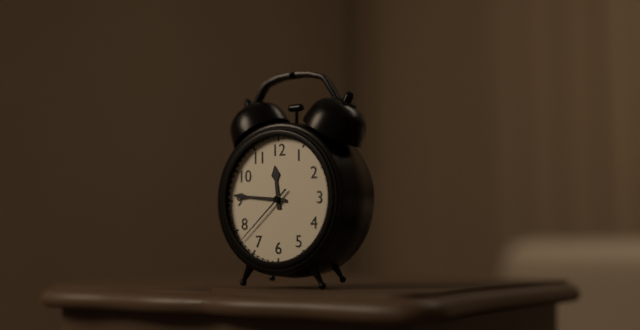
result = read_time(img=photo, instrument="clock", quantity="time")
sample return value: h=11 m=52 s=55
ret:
h=11 m=46 s=38
